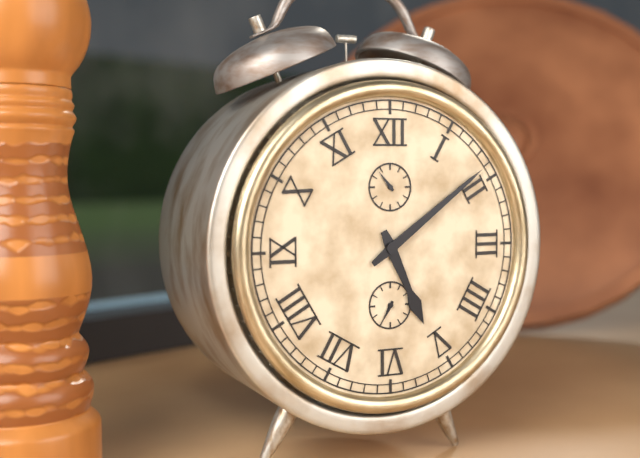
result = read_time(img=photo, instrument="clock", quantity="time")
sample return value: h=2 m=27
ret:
h=5 m=9
